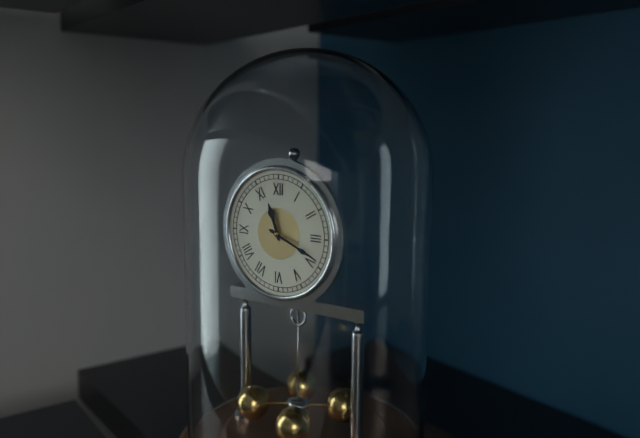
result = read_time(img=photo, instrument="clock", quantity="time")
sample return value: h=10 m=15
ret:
h=11 m=19
